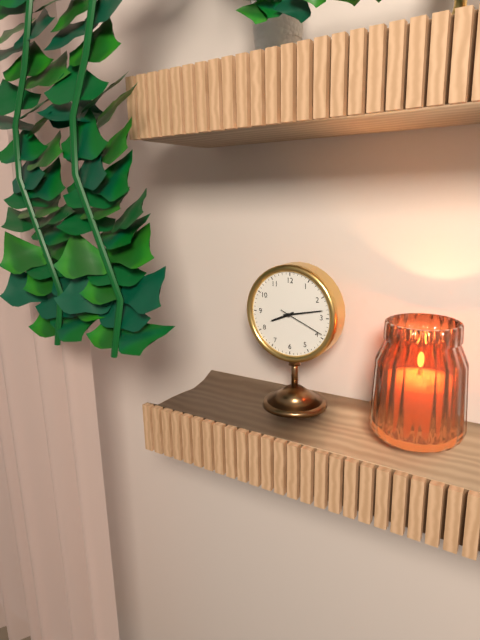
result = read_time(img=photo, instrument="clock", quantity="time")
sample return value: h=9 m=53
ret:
h=8 m=13
